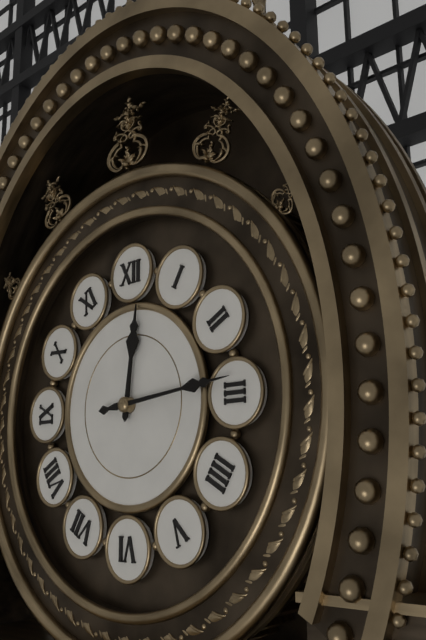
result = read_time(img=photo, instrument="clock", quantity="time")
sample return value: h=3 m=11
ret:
h=12 m=14
